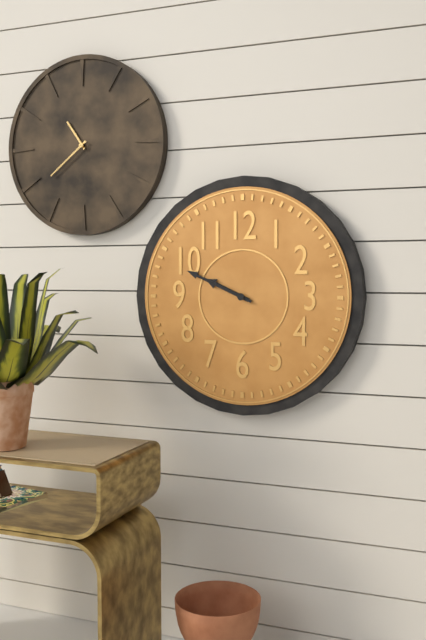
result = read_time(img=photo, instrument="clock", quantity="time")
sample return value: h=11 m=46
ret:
h=9 m=49
